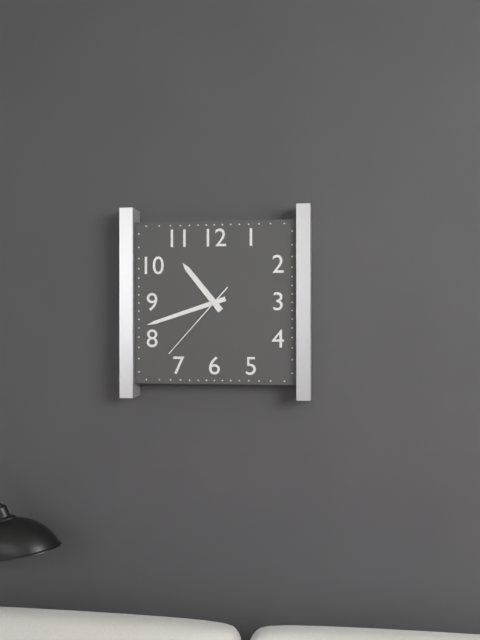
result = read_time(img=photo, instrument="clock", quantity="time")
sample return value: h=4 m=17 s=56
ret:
h=10 m=42 s=37
